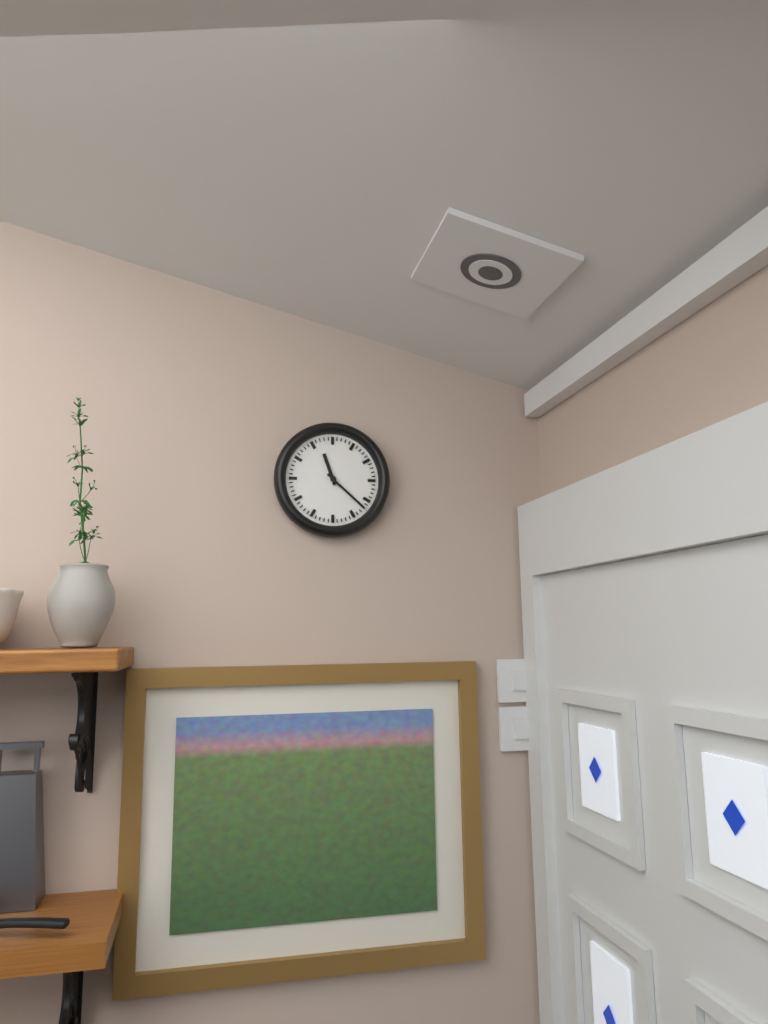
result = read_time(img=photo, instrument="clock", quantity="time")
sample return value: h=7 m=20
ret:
h=11 m=22
